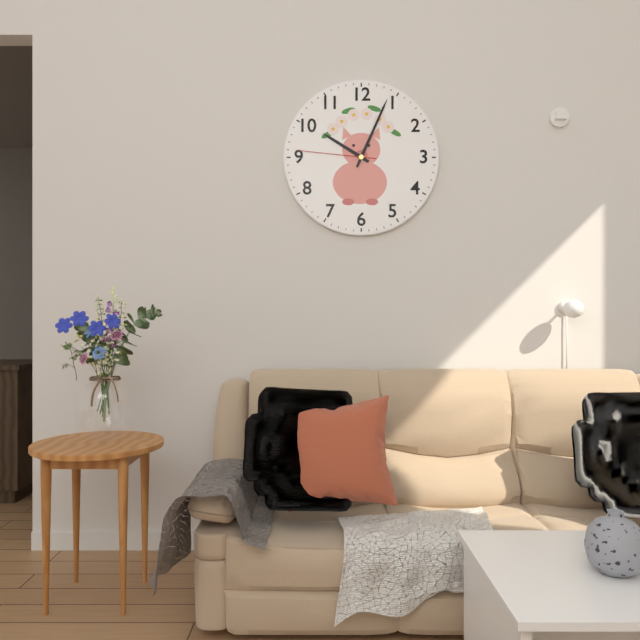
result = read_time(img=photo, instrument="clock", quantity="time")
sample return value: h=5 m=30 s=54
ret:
h=10 m=4 s=46
